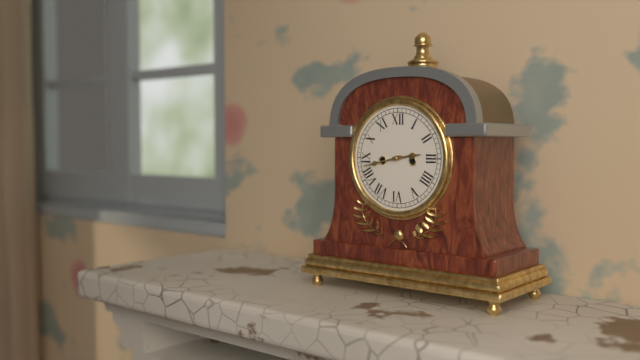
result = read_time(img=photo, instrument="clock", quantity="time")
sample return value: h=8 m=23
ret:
h=2 m=43
